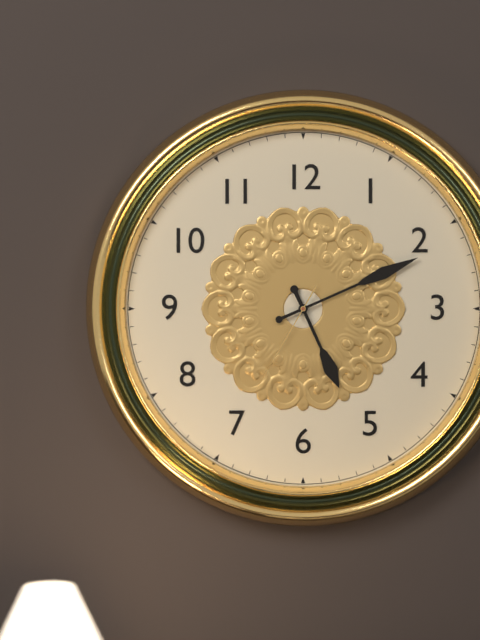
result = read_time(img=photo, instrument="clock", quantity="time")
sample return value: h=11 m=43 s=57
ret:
h=5 m=11 s=35
